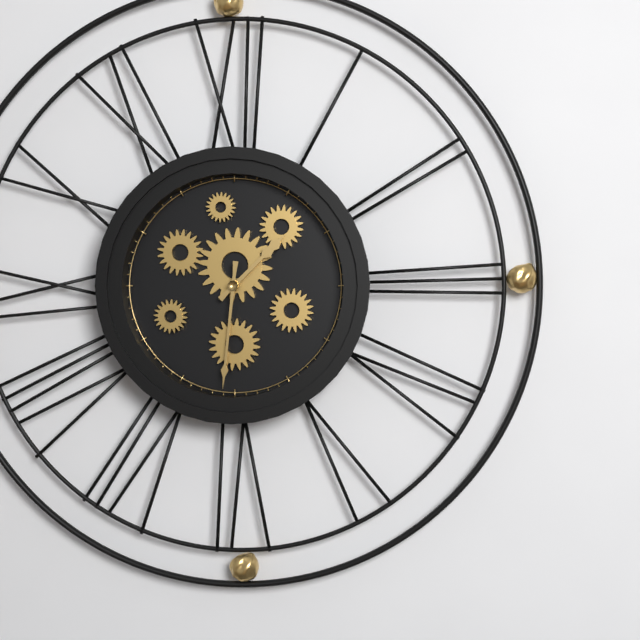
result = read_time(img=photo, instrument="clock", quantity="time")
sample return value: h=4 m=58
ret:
h=1 m=31
